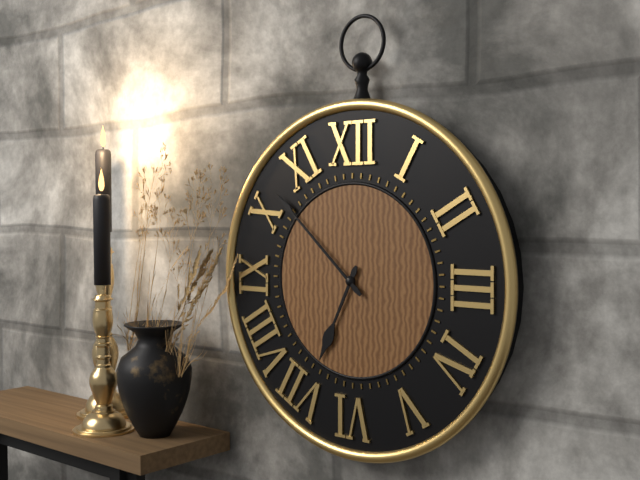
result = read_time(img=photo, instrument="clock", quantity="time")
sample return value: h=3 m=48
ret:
h=6 m=52
